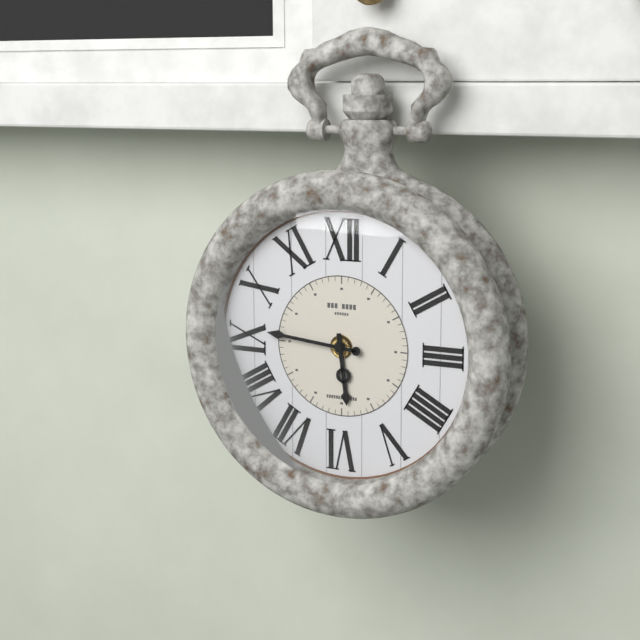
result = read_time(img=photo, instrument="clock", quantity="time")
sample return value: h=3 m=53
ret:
h=5 m=46
